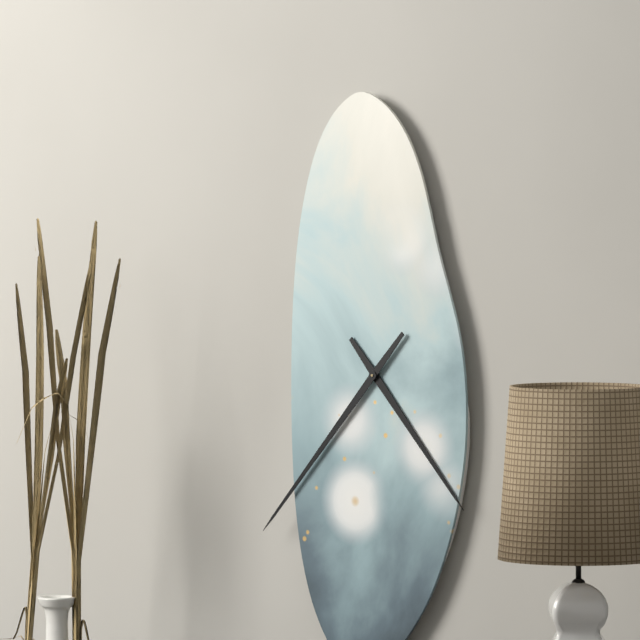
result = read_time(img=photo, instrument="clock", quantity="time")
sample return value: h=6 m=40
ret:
h=4 m=37
